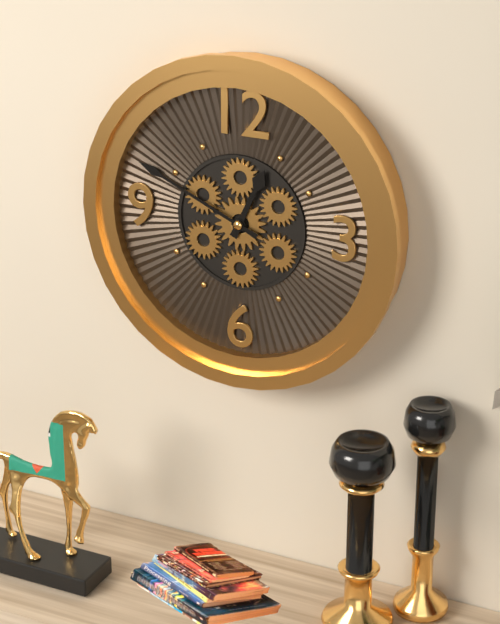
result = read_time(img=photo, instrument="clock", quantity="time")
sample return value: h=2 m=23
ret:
h=12 m=49
